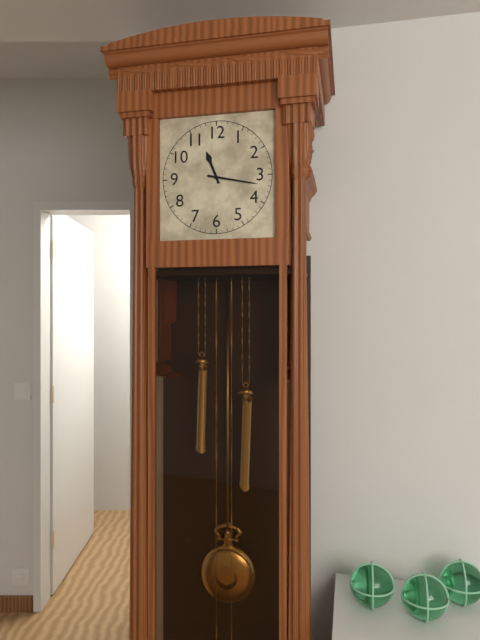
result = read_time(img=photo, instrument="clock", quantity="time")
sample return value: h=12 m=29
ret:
h=11 m=17
